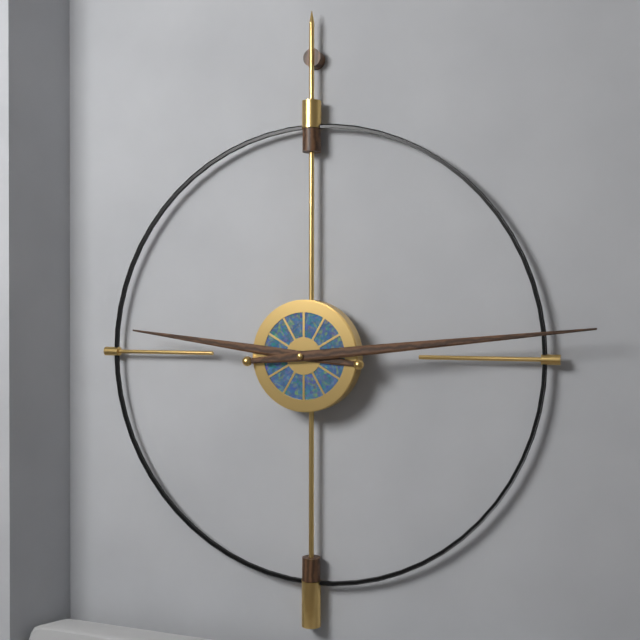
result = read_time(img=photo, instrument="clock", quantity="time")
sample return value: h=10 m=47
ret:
h=9 m=14
